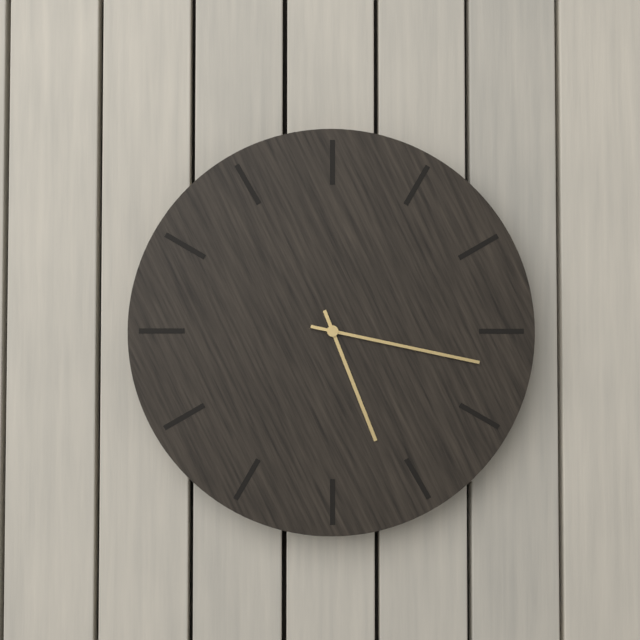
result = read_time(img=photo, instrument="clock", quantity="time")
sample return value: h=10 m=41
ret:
h=5 m=17
